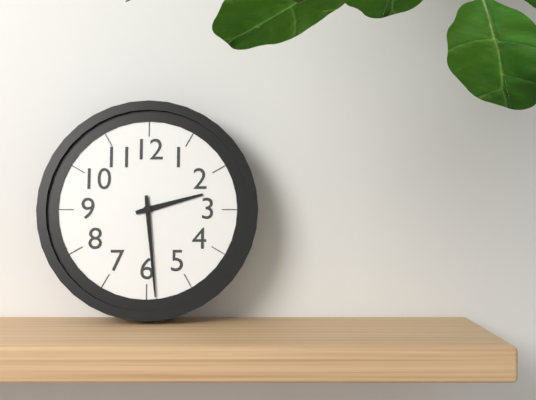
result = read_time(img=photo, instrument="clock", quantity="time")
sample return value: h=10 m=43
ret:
h=2 m=29
